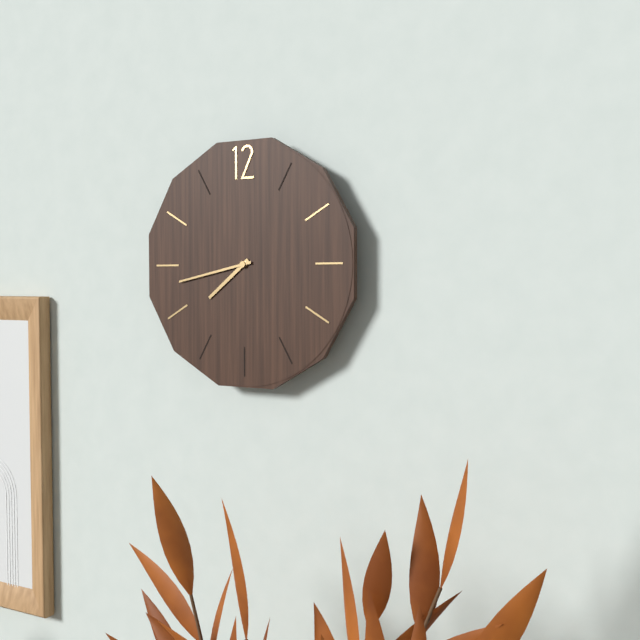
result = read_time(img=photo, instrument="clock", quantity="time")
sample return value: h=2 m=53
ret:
h=7 m=43
